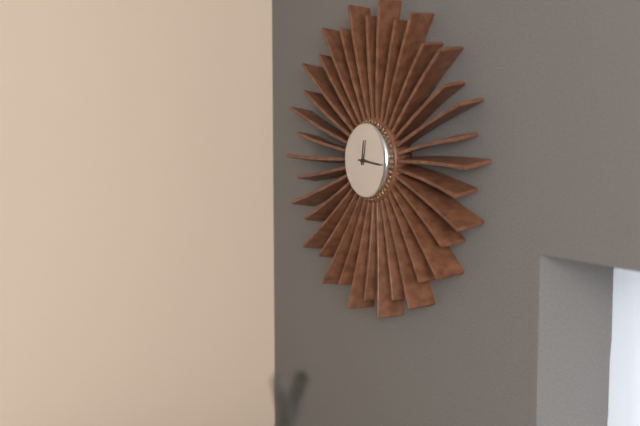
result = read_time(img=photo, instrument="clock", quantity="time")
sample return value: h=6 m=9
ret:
h=12 m=16
